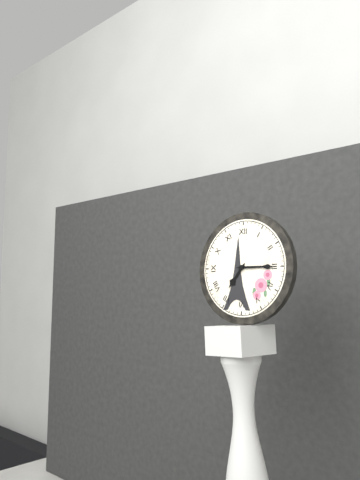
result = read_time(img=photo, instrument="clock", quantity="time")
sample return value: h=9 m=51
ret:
h=7 m=15
